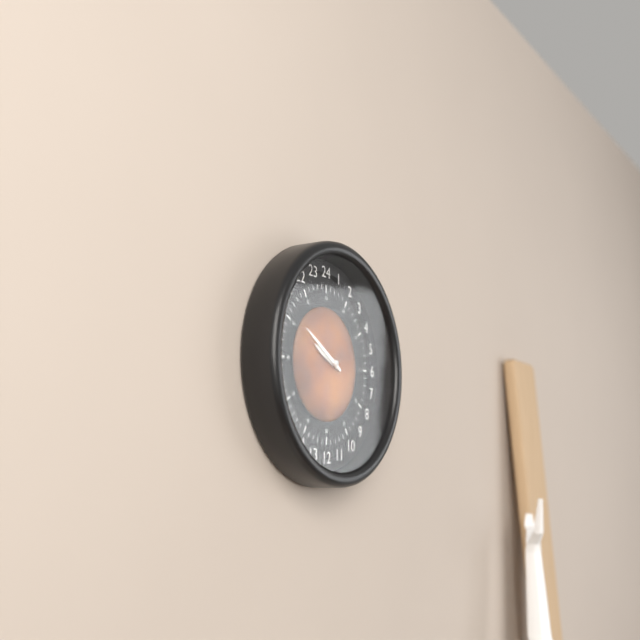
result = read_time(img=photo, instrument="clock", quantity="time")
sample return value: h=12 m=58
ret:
h=9 m=50
